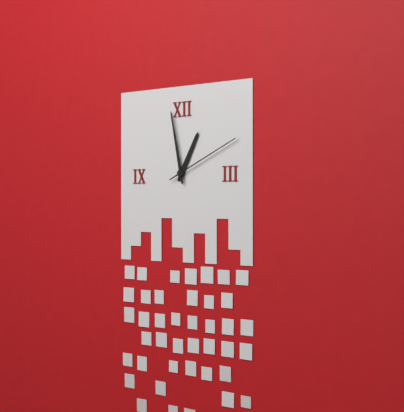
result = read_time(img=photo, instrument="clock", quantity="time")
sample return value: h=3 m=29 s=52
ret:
h=12 m=58 s=11
